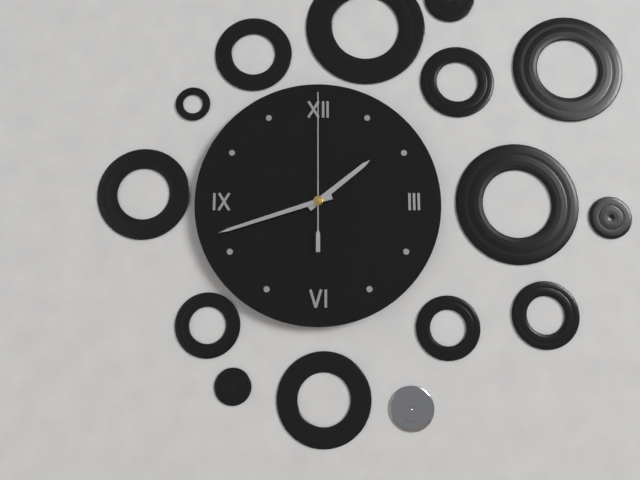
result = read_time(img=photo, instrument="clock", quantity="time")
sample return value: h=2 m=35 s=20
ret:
h=1 m=42 s=0
